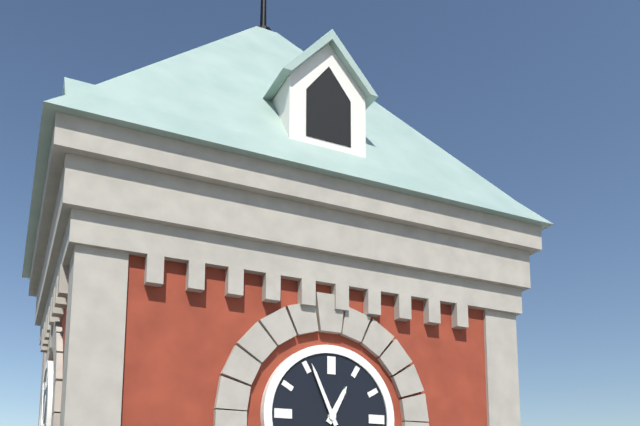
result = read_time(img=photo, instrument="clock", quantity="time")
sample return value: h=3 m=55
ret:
h=12 m=56
